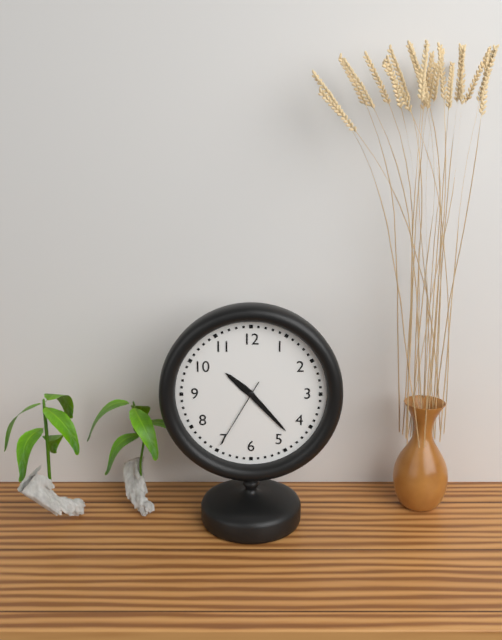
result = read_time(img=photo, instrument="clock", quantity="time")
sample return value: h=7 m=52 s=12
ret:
h=10 m=23 s=35
